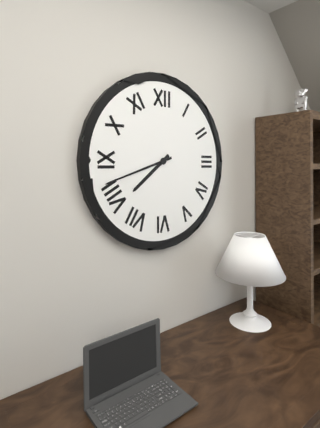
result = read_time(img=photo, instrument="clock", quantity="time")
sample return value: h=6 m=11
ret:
h=7 m=42
